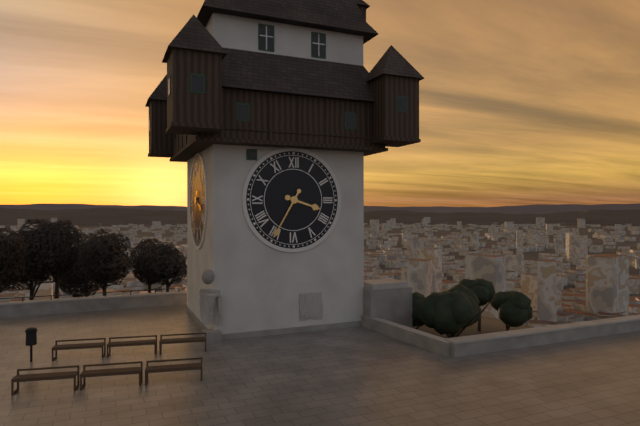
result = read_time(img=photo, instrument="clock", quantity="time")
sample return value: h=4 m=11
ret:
h=3 m=35
